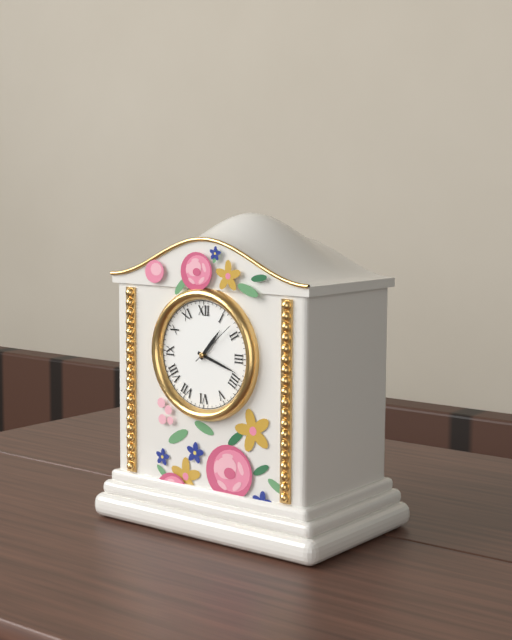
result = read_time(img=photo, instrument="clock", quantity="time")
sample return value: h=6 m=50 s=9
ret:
h=1 m=18 s=8
